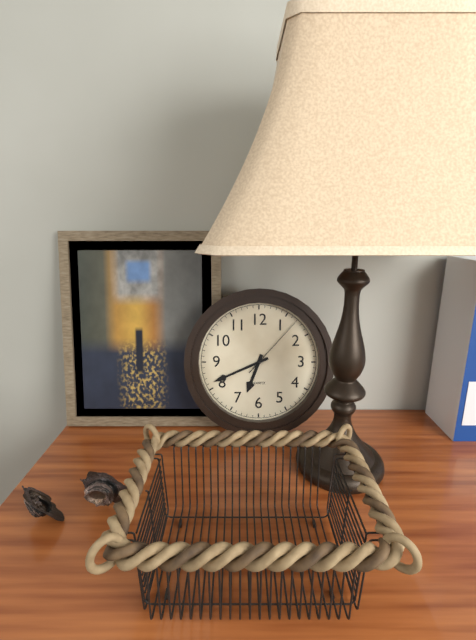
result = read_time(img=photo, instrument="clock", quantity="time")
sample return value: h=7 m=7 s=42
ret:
h=6 m=41 s=7
